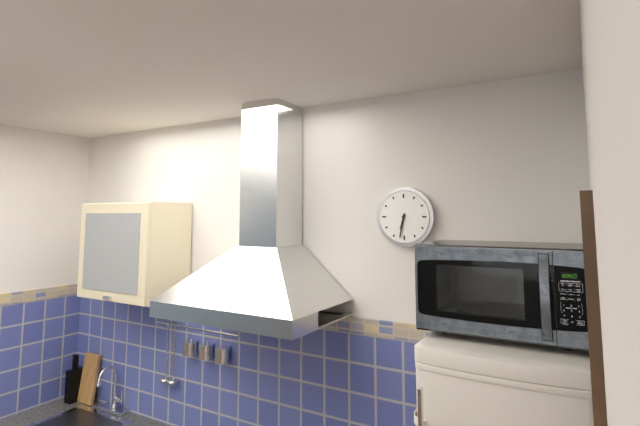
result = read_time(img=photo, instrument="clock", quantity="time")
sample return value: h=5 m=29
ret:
h=6 m=32
